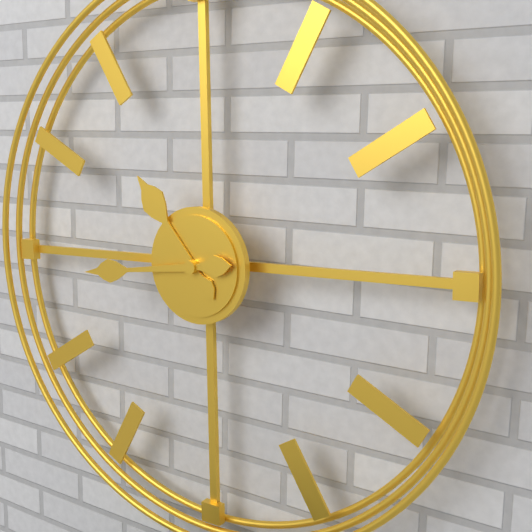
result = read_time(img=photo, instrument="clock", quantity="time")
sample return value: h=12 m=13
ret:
h=10 m=44
